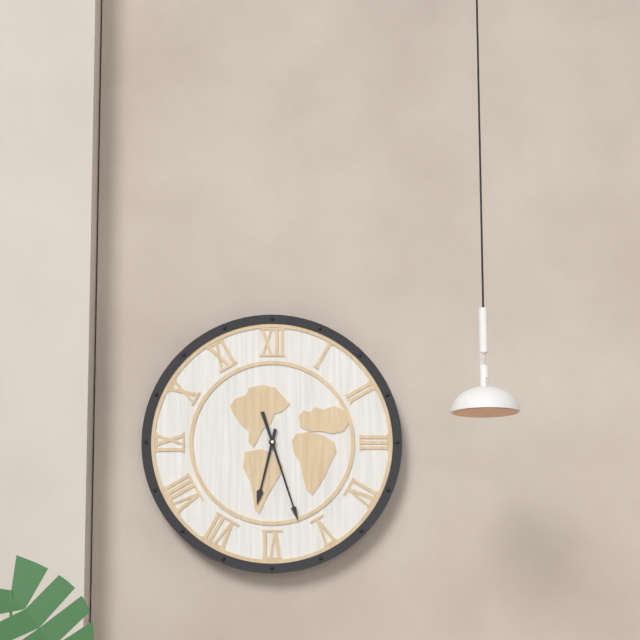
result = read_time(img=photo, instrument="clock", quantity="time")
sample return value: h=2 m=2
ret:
h=6 m=27
